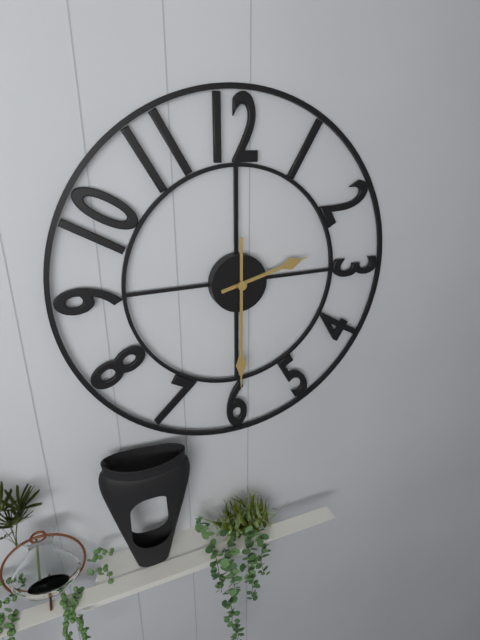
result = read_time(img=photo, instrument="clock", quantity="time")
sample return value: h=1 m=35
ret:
h=2 m=30
